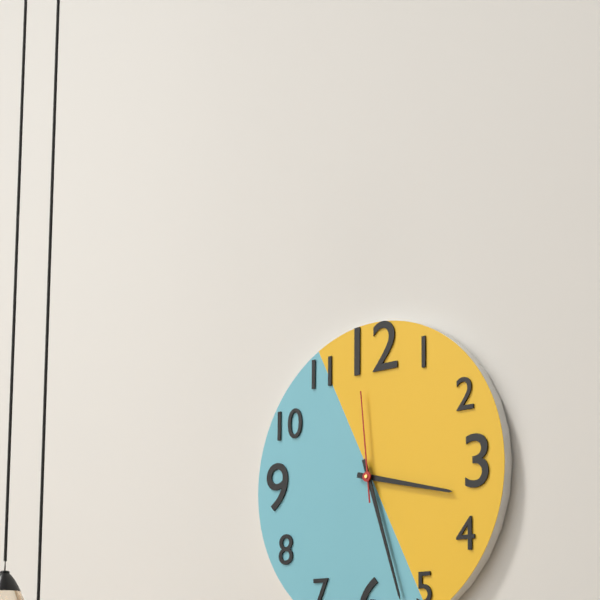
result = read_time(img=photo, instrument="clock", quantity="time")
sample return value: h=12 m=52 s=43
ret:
h=3 m=27 s=59
